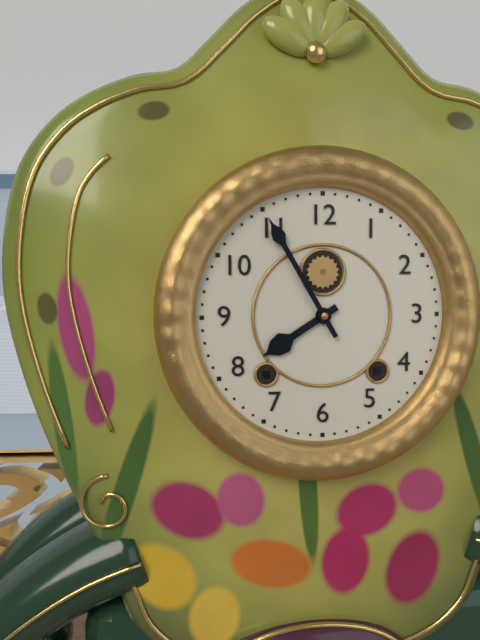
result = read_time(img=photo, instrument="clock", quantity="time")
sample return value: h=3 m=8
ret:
h=7 m=55
